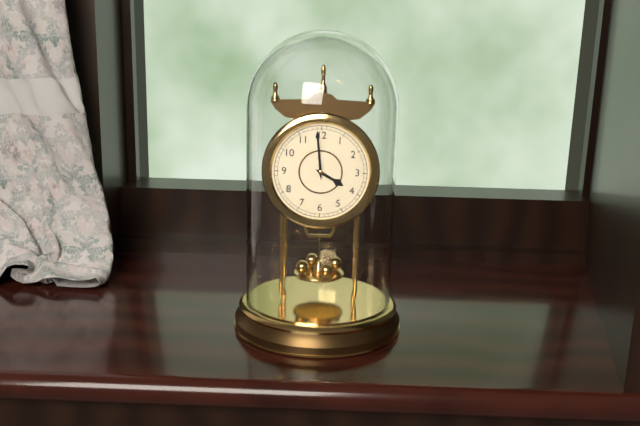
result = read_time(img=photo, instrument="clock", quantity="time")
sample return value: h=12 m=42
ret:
h=3 m=59
